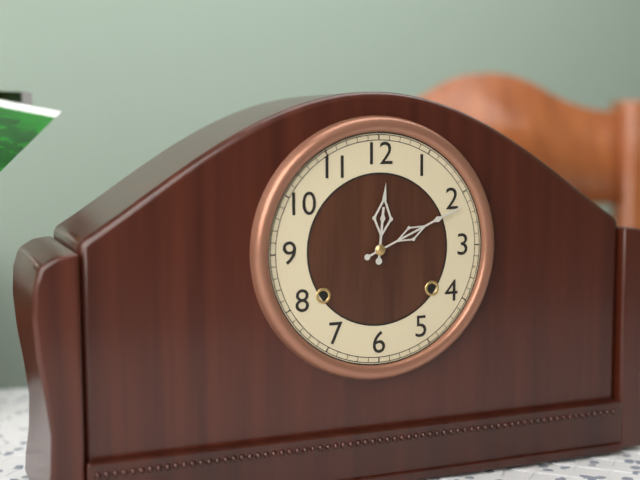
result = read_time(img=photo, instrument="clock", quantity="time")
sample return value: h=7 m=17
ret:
h=12 m=11
